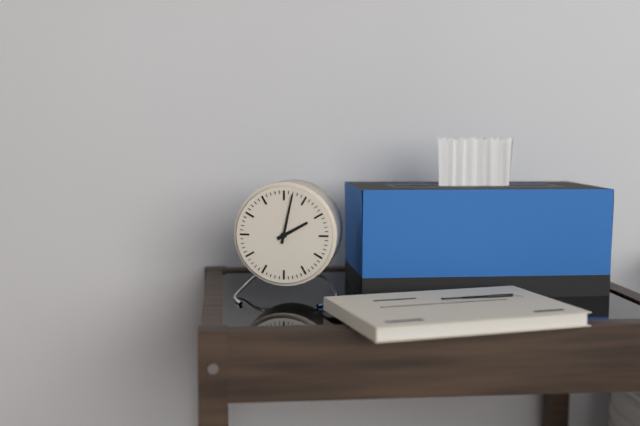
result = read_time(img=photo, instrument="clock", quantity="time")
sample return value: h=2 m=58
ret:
h=2 m=2
